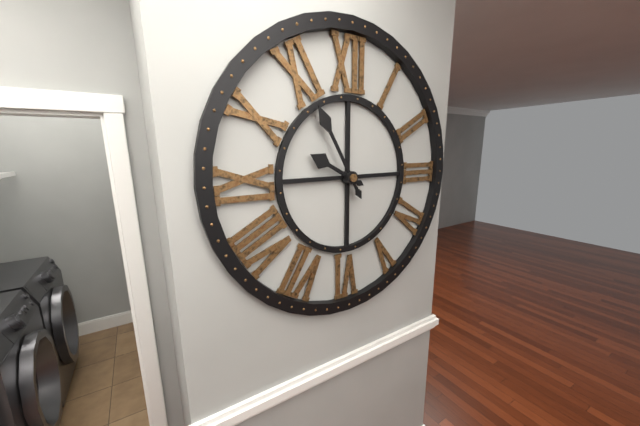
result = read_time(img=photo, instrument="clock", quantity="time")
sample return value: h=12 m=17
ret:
h=9 m=55
